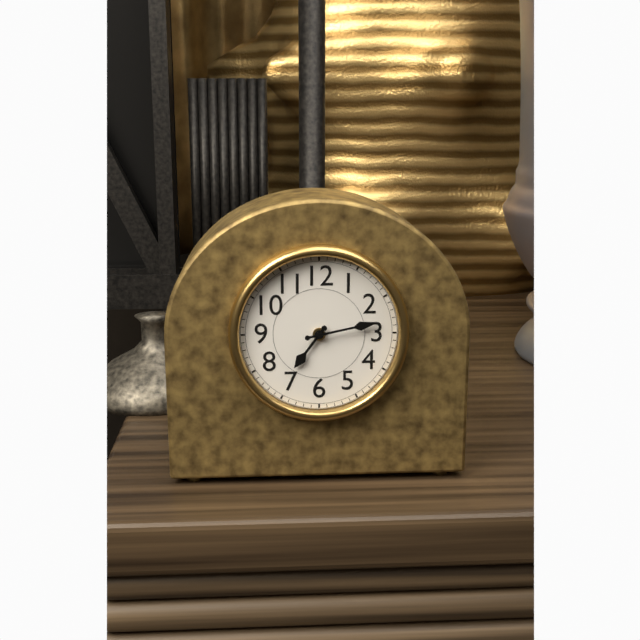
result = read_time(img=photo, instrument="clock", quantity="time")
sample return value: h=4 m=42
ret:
h=7 m=13
